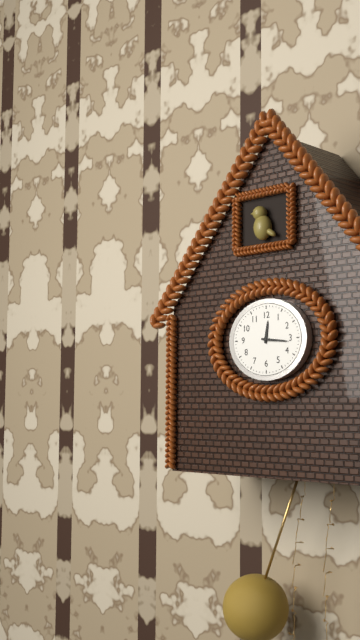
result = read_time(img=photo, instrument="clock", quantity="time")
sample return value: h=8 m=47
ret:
h=12 m=16
